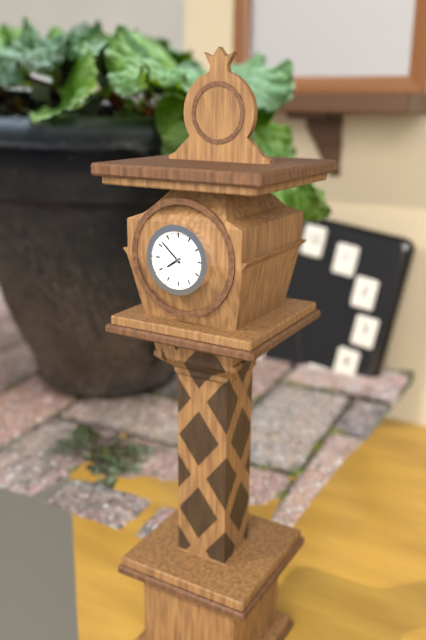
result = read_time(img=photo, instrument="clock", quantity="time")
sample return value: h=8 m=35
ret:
h=7 m=52
